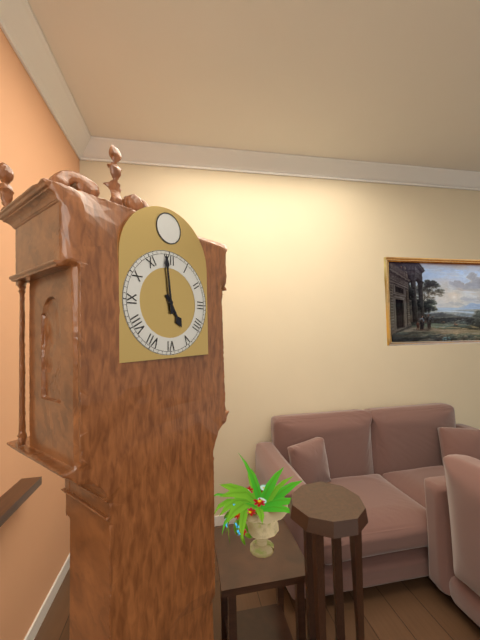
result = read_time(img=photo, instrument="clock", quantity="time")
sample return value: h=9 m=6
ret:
h=4 m=59
